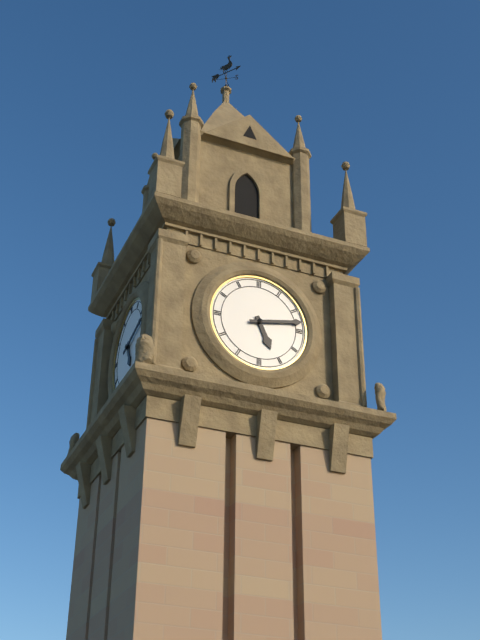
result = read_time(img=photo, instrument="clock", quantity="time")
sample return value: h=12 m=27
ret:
h=5 m=13
